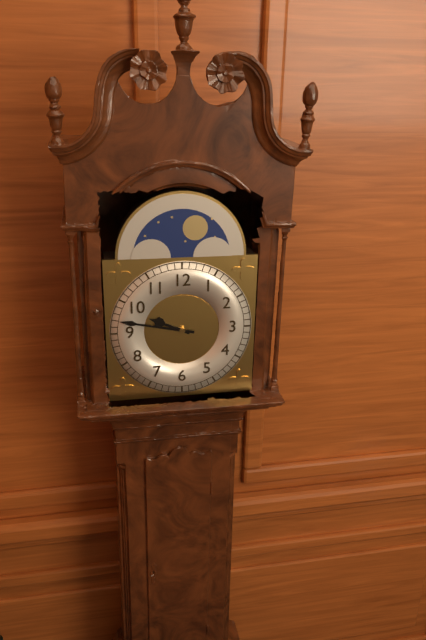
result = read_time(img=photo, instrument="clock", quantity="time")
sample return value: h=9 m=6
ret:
h=9 m=47
